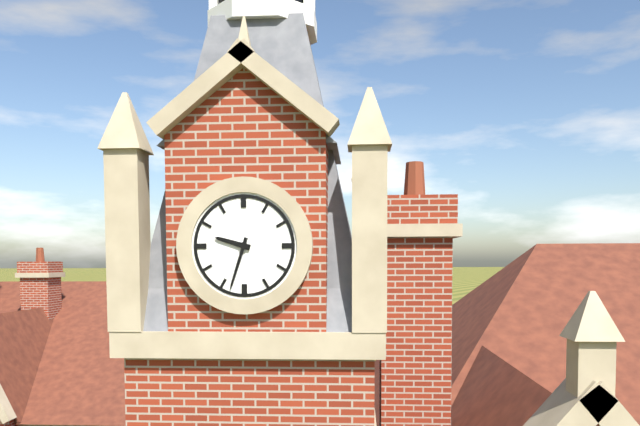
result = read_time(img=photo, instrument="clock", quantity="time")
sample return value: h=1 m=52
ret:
h=9 m=33
